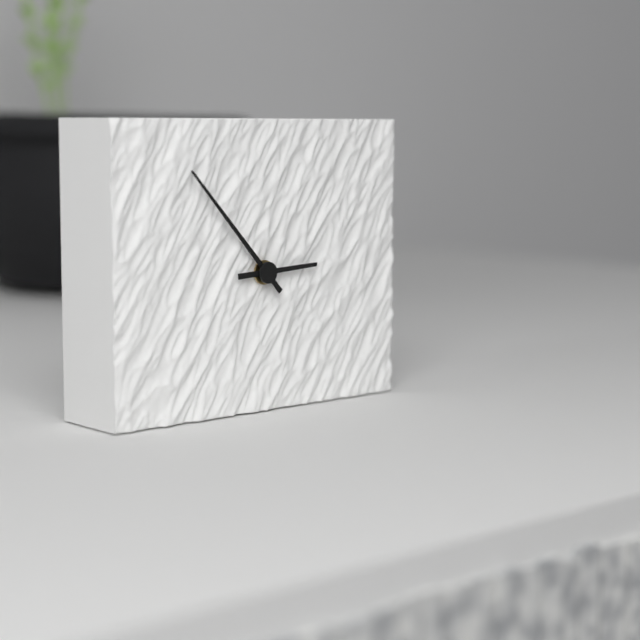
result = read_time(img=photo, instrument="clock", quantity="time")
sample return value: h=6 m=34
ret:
h=2 m=53
